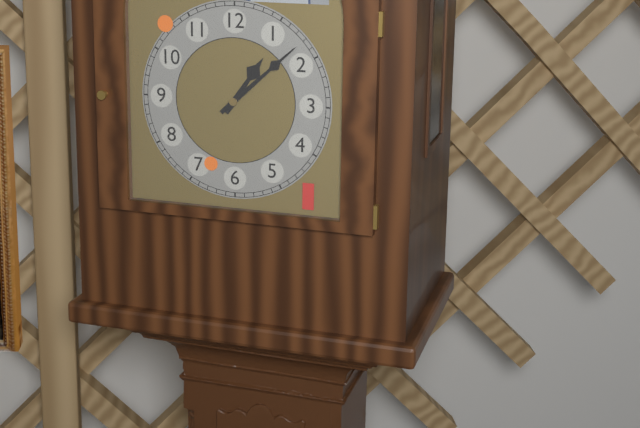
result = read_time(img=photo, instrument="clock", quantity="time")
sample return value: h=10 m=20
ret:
h=1 m=8
